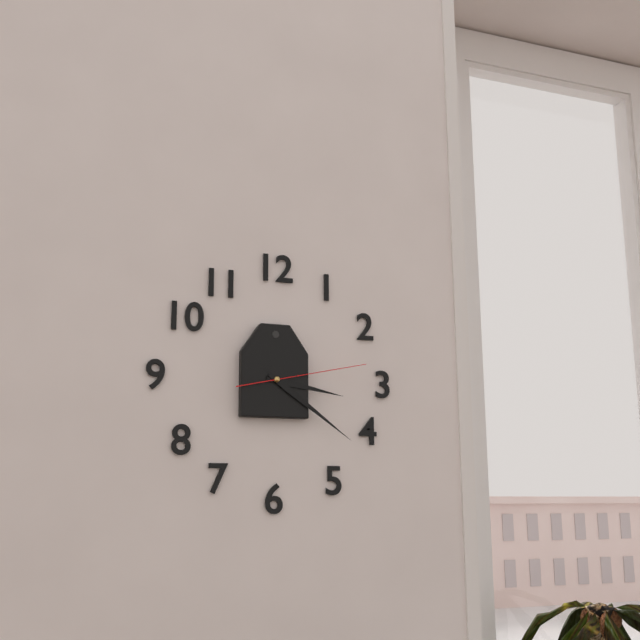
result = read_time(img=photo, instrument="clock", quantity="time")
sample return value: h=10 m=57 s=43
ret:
h=3 m=21 s=13
